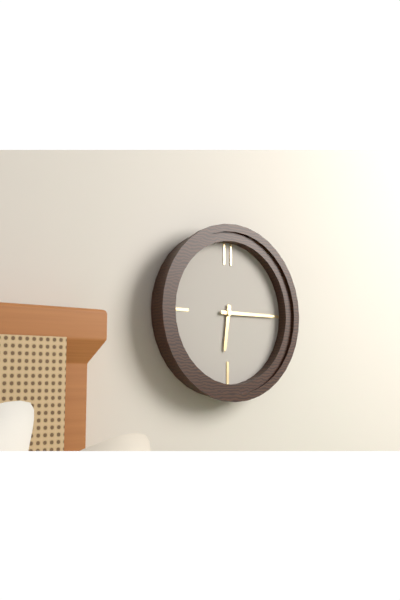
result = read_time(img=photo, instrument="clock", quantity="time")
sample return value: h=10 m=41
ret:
h=6 m=15
